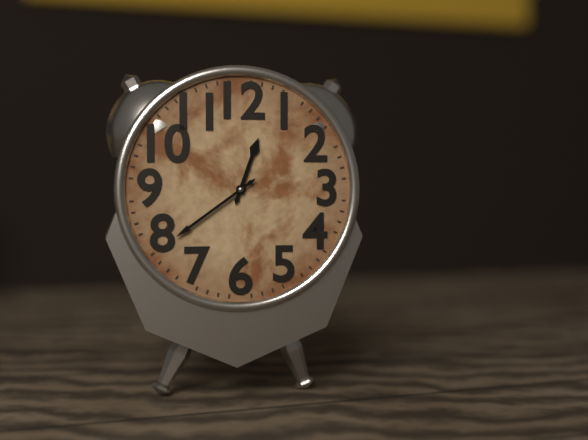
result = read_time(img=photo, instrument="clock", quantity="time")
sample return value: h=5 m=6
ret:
h=12 m=39
